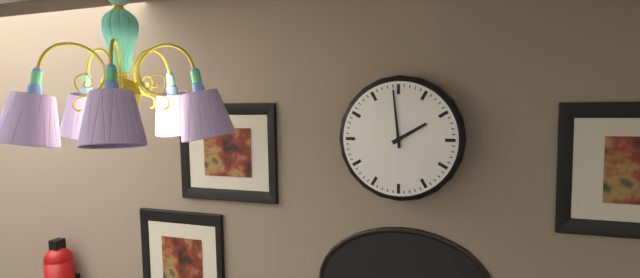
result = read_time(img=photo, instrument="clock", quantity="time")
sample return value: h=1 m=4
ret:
h=1 m=59
